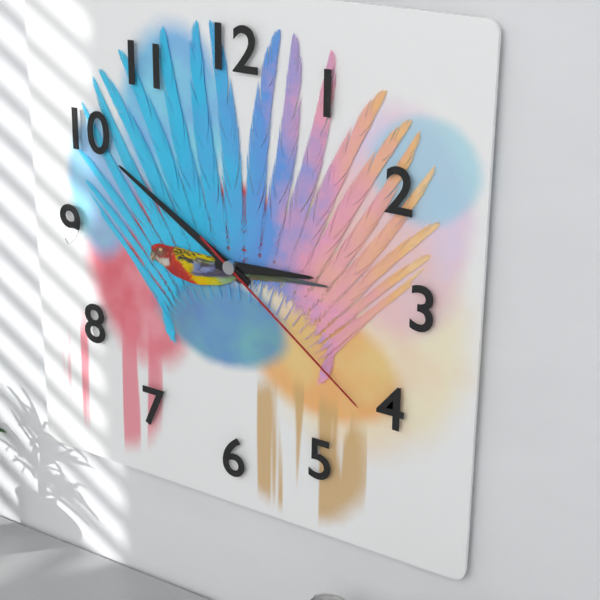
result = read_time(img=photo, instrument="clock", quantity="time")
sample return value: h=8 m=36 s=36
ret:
h=2 m=50 s=21
